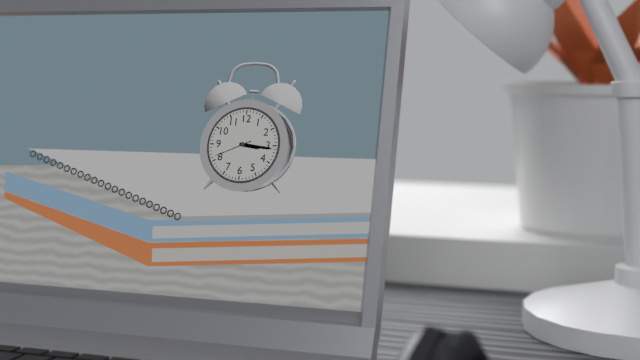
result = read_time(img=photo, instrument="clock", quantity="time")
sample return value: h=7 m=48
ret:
h=3 m=16
